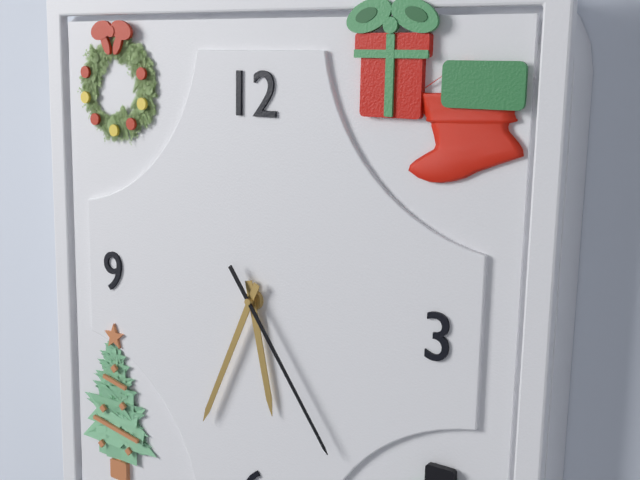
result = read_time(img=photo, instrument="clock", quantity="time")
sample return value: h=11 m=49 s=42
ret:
h=5 m=34 s=24
